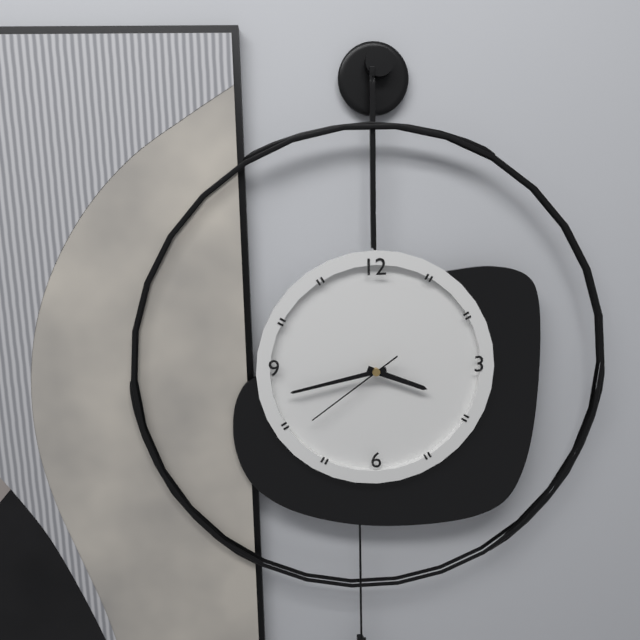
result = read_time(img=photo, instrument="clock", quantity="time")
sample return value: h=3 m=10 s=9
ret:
h=3 m=43 s=39
